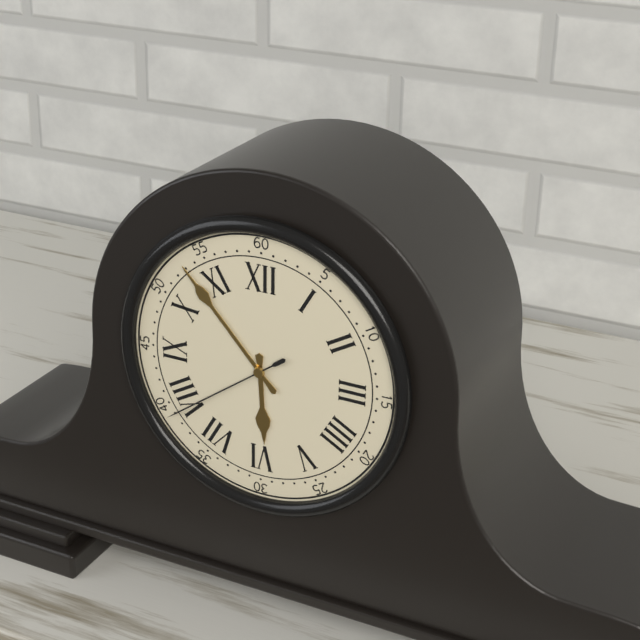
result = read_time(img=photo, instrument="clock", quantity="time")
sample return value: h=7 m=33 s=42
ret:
h=5 m=53 s=39
